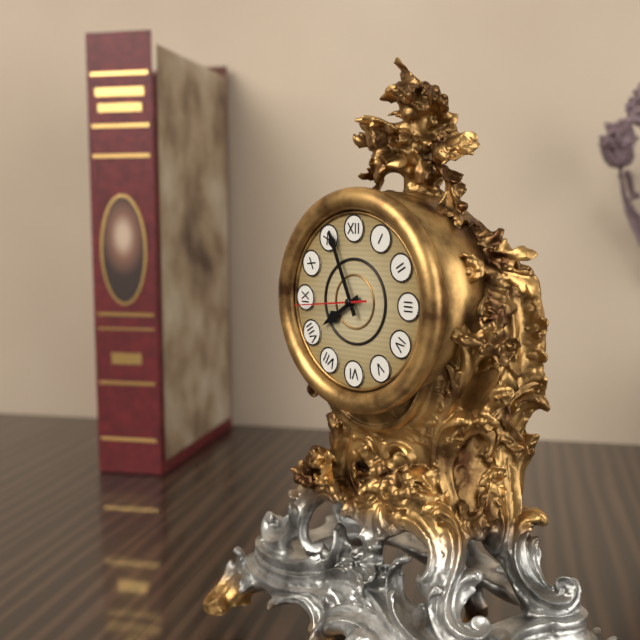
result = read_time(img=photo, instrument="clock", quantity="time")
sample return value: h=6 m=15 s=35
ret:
h=7 m=56 s=44
